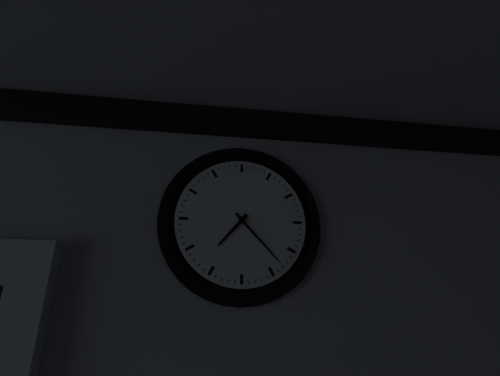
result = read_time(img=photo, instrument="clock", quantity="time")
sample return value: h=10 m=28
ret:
h=7 m=23
